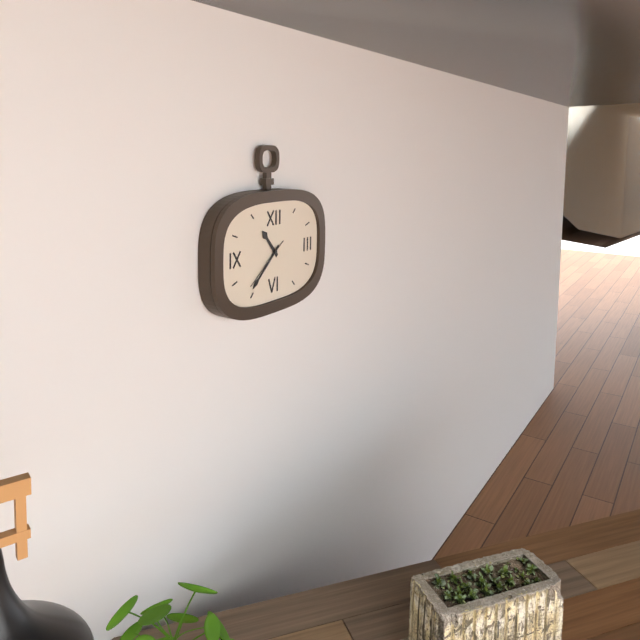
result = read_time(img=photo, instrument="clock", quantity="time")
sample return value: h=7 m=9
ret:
h=10 m=38
